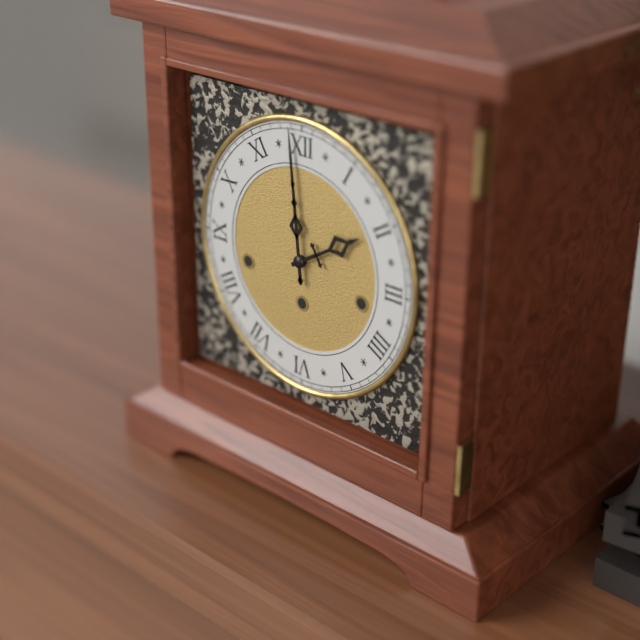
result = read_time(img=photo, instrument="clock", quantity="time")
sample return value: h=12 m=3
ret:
h=1 m=59
